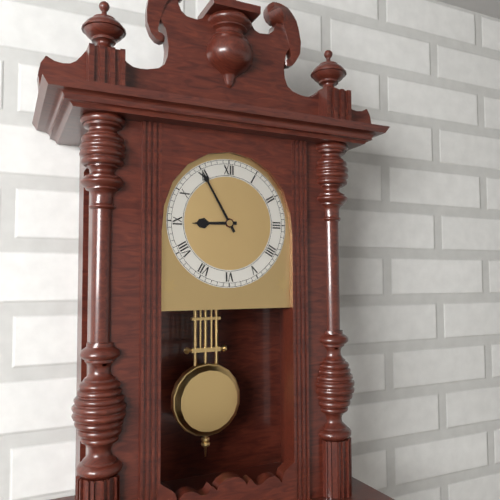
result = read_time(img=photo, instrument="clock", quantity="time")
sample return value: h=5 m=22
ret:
h=8 m=55
